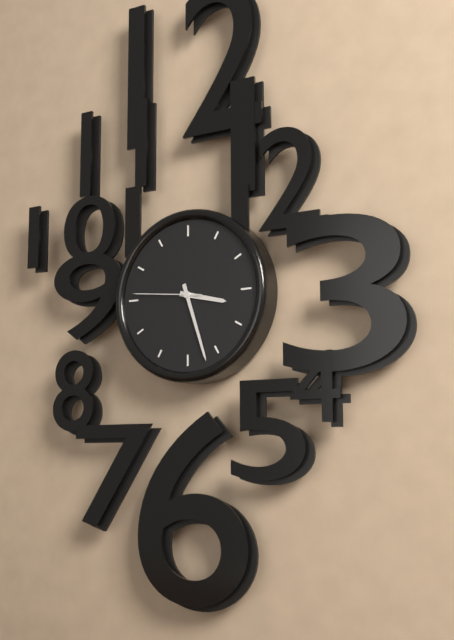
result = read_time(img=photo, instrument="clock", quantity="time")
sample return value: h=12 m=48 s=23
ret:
h=3 m=27 s=46
